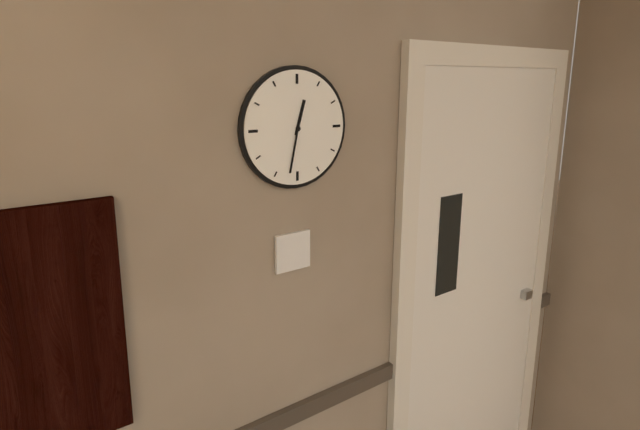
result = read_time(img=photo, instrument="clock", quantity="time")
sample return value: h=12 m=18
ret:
h=12 m=32
